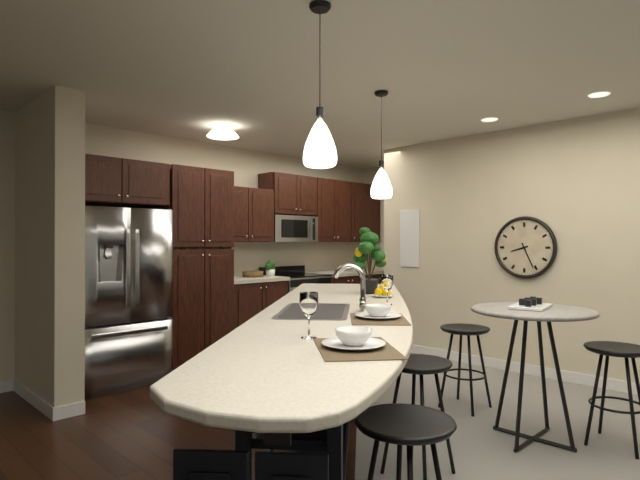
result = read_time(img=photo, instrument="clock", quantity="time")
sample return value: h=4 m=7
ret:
h=8 m=26
